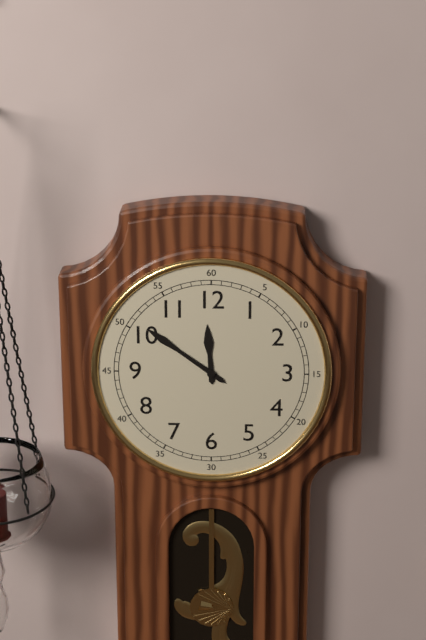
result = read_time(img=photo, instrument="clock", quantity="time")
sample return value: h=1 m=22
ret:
h=11 m=51
